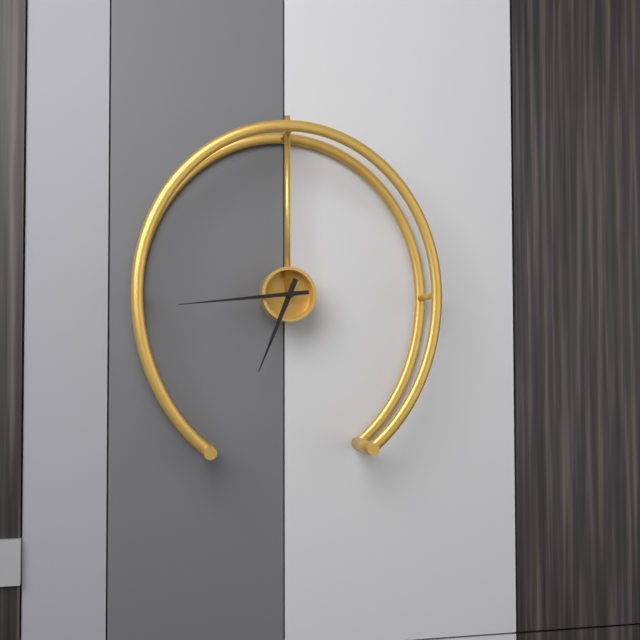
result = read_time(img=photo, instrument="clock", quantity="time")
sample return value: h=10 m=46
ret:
h=6 m=44
